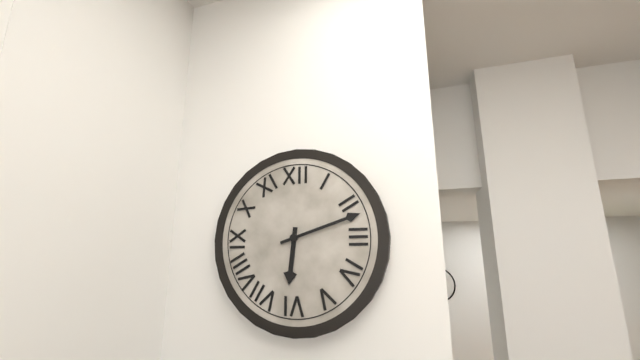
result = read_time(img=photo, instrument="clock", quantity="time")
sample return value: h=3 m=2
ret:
h=6 m=12
